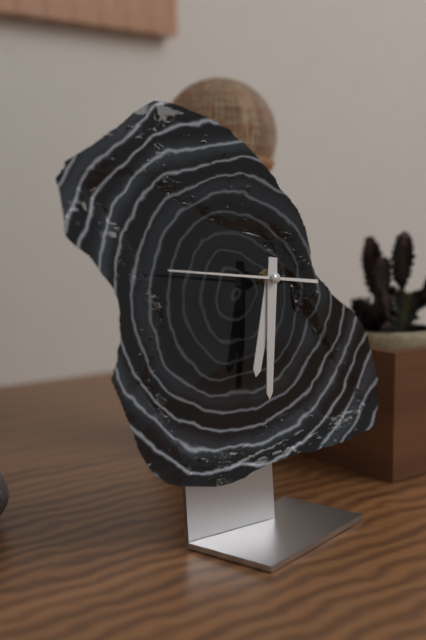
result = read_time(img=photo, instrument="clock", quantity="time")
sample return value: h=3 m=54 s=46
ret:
h=6 m=31 s=46
